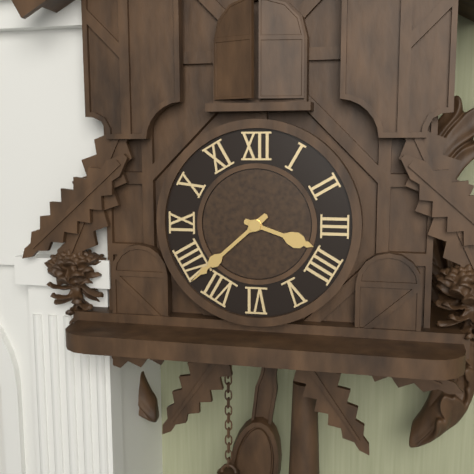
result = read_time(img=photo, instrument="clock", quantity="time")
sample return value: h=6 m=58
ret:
h=3 m=38
